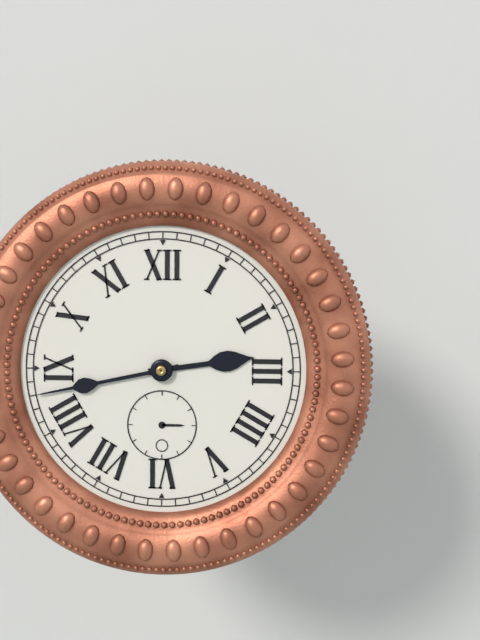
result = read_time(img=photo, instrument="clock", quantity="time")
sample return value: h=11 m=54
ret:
h=2 m=43
